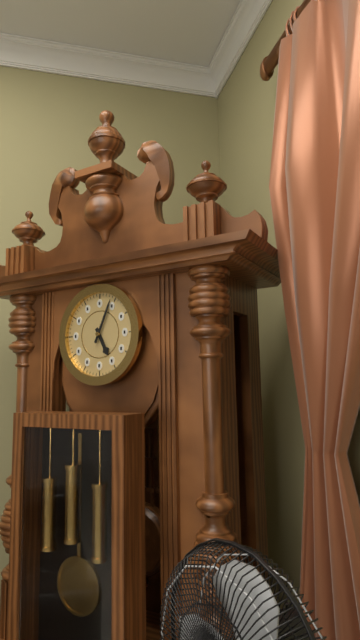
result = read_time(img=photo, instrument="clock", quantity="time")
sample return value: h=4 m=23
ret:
h=5 m=4
